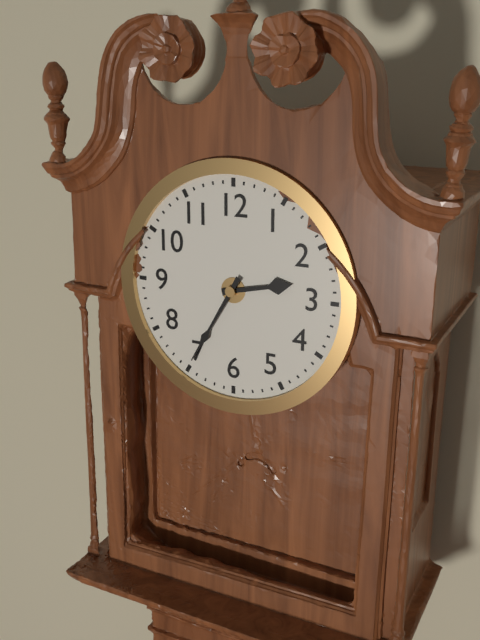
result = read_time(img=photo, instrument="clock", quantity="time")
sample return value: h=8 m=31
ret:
h=2 m=35
